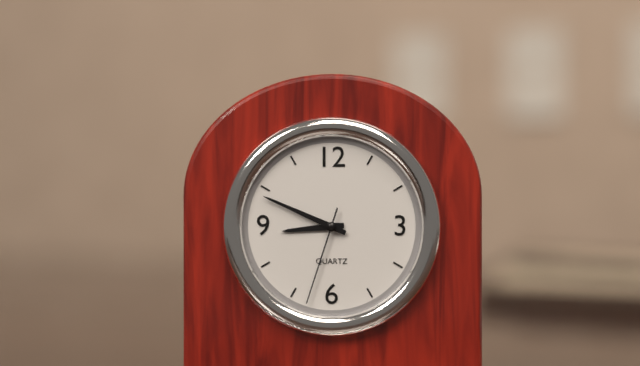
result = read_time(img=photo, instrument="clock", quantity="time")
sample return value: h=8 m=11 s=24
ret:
h=8 m=49 s=33
